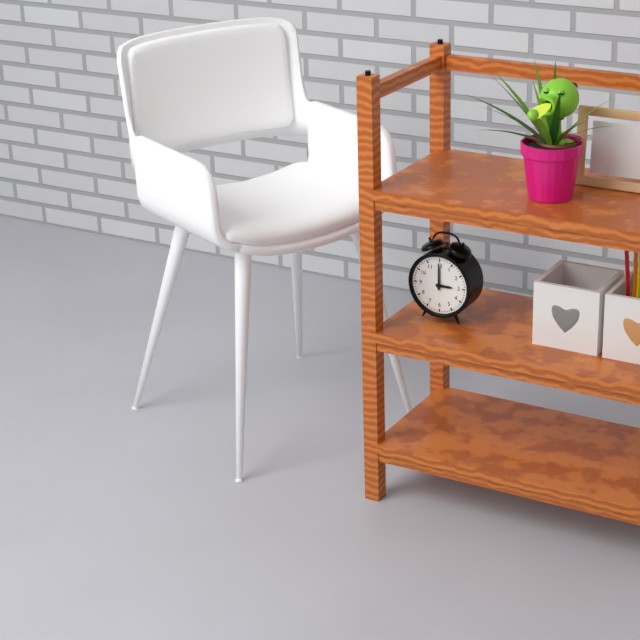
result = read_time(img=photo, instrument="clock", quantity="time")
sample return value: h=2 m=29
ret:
h=3 m=0
